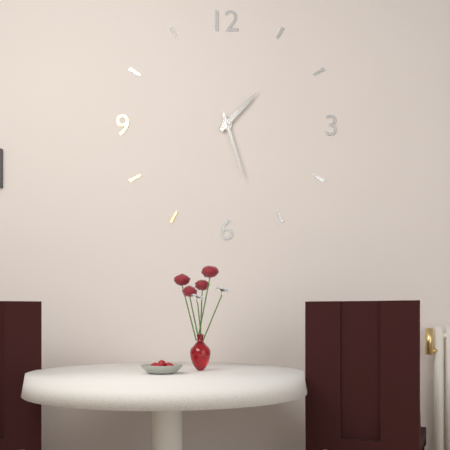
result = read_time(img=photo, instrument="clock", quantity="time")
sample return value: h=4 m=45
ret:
h=1 m=27
